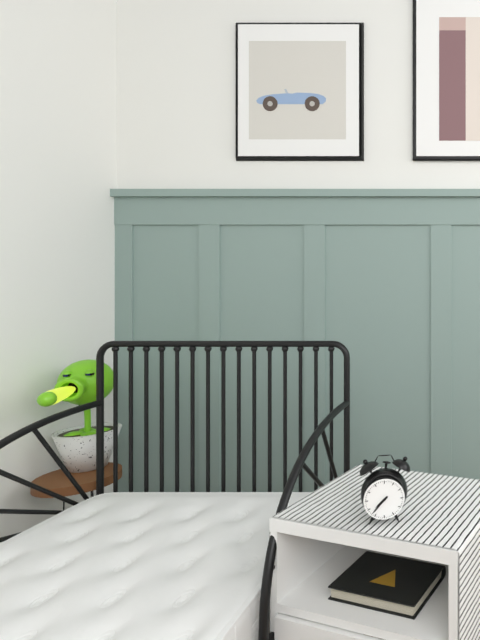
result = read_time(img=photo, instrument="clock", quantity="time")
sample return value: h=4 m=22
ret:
h=7 m=37
